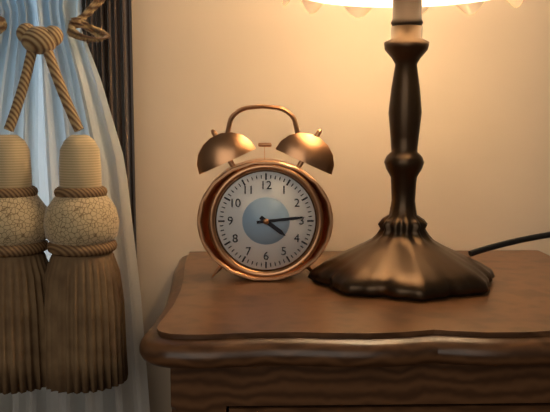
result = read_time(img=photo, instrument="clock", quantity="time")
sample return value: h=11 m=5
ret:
h=4 m=14
